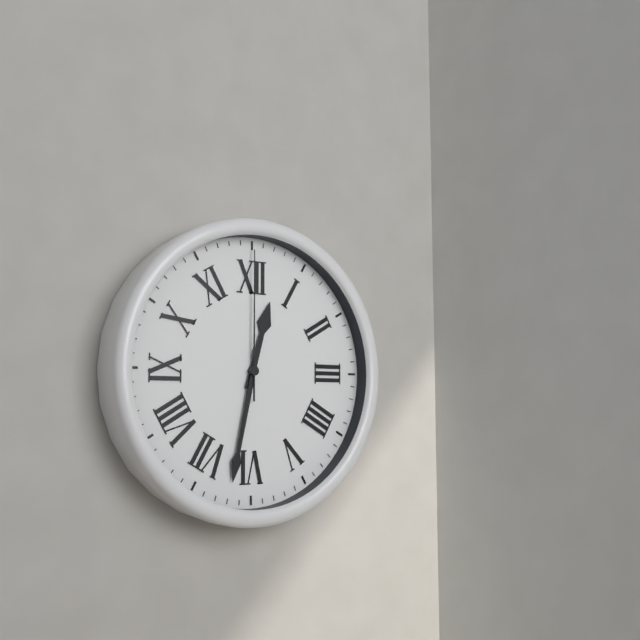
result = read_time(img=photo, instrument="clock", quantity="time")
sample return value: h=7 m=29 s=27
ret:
h=12 m=32 s=0
